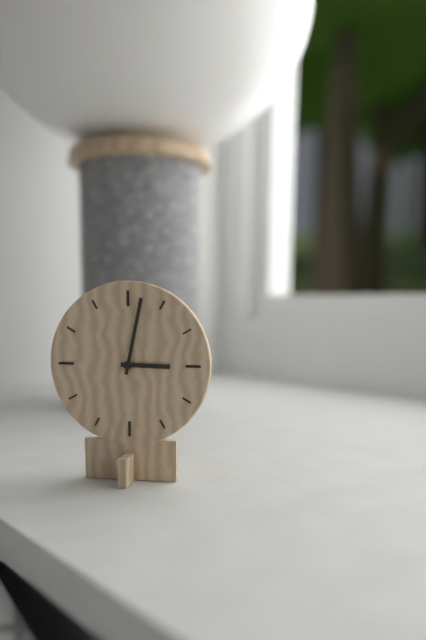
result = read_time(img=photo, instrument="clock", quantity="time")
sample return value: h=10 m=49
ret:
h=3 m=2
